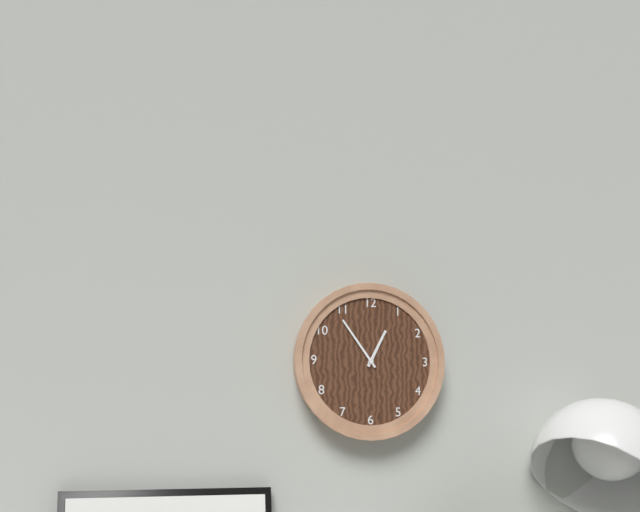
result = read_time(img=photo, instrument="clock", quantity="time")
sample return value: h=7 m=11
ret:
h=12 m=54
